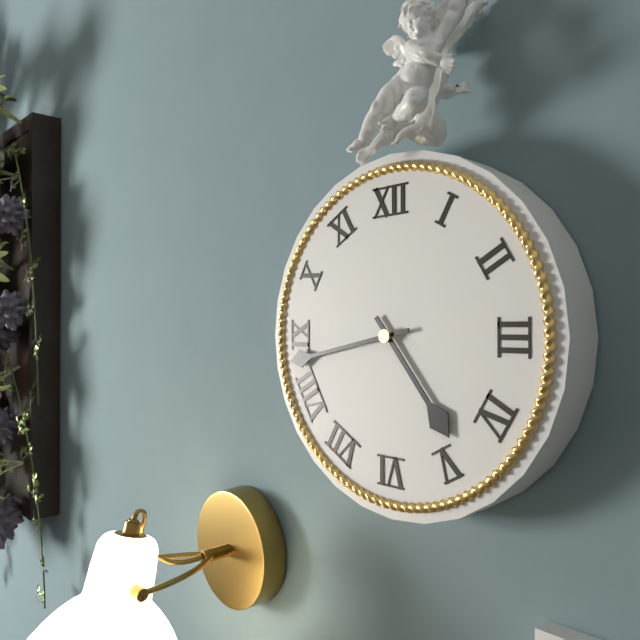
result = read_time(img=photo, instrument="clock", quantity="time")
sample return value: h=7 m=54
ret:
h=4 m=43
